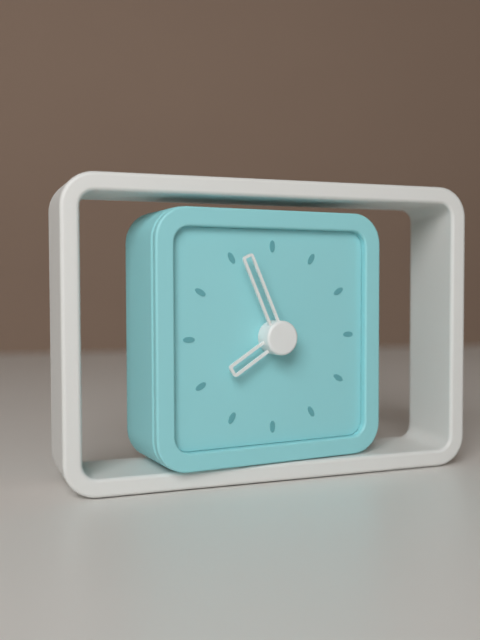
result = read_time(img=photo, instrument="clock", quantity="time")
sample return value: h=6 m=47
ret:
h=7 m=56
